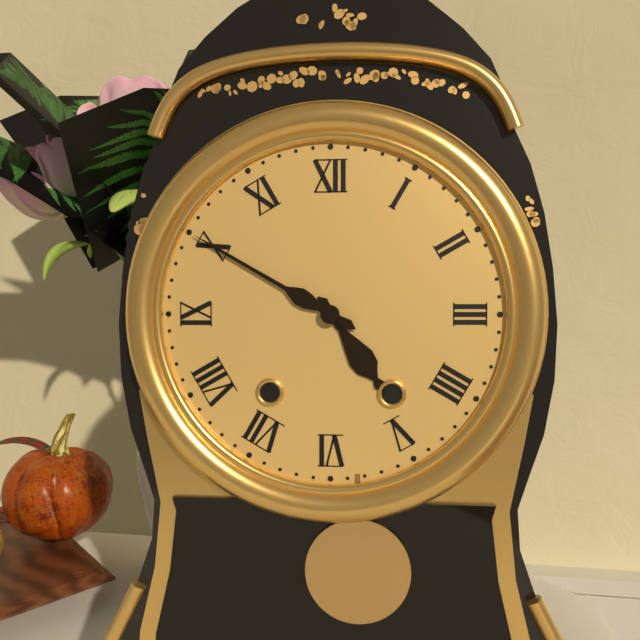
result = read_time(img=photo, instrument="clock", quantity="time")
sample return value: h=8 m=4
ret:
h=4 m=50
